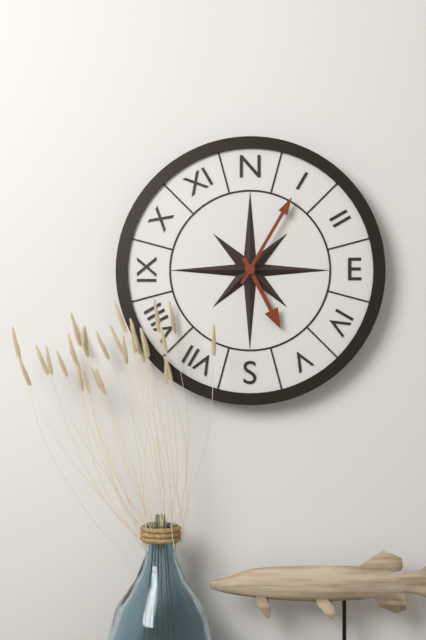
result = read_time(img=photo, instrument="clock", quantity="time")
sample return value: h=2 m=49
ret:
h=5 m=5
